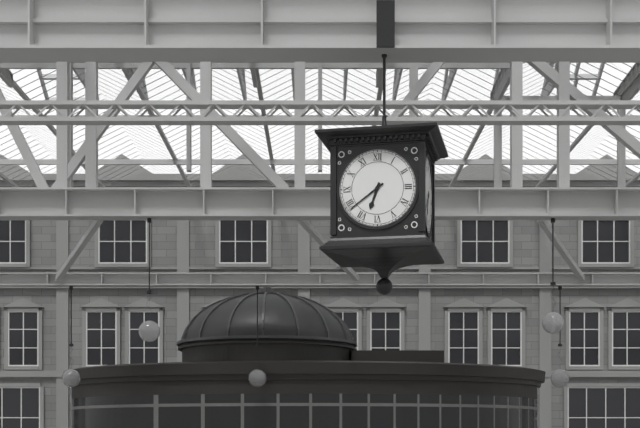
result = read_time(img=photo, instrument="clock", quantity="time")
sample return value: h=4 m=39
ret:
h=6 m=39
